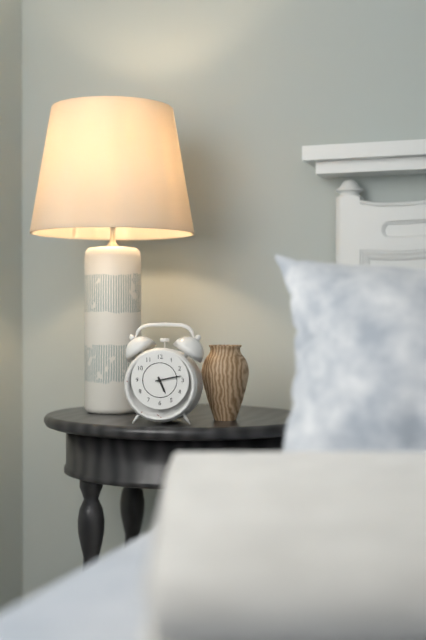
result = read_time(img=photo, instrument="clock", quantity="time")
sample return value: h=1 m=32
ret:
h=5 m=13
